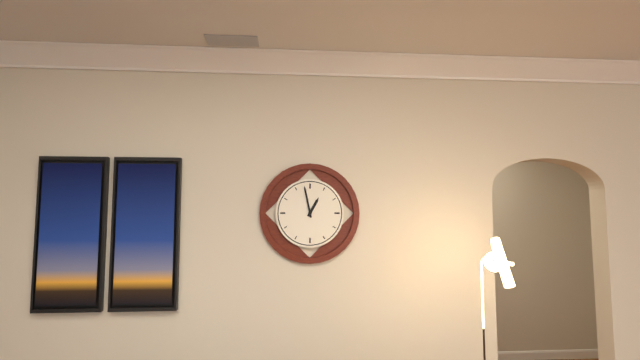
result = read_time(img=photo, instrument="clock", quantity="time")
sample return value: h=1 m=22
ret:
h=12 m=58
